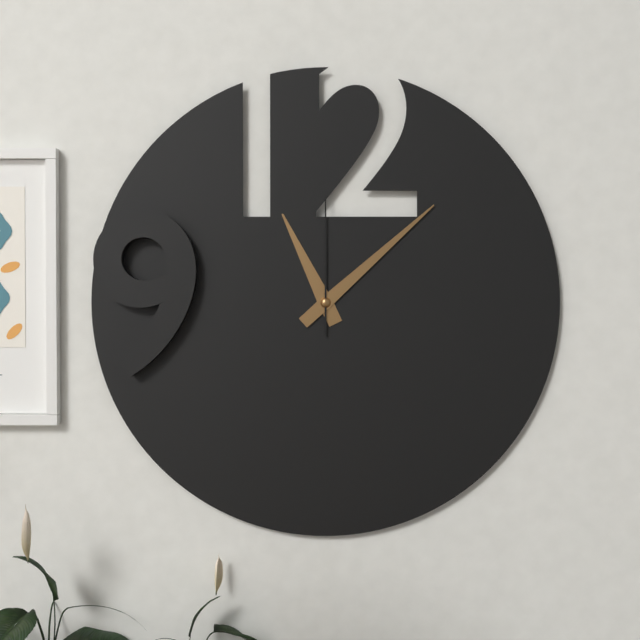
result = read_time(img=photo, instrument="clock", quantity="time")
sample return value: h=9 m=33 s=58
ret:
h=11 m=8 s=0
